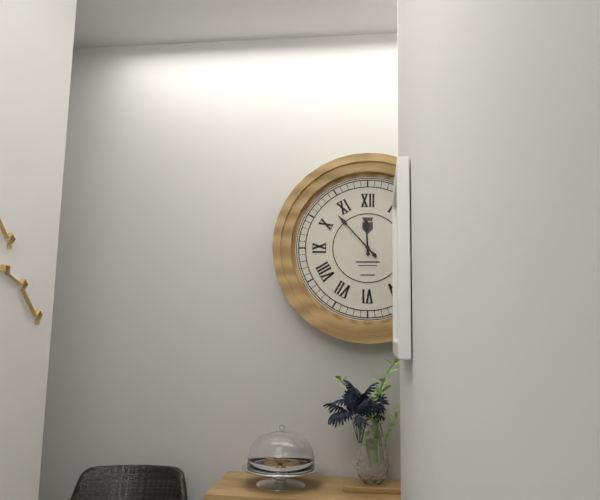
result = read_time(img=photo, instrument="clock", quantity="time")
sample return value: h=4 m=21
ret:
h=11 m=53
